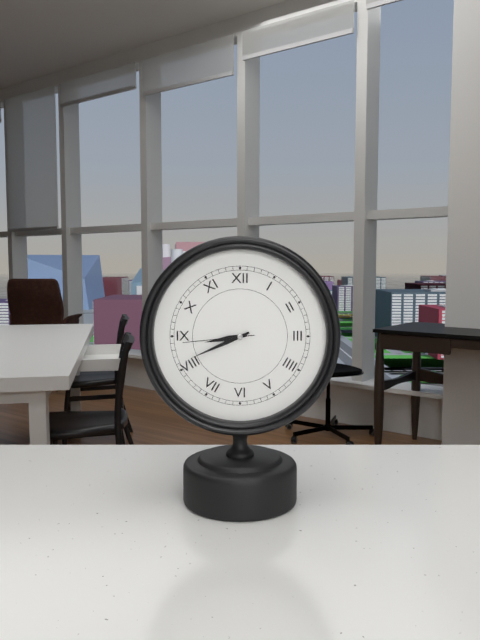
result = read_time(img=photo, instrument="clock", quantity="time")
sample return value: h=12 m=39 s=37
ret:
h=8 m=41 s=44
